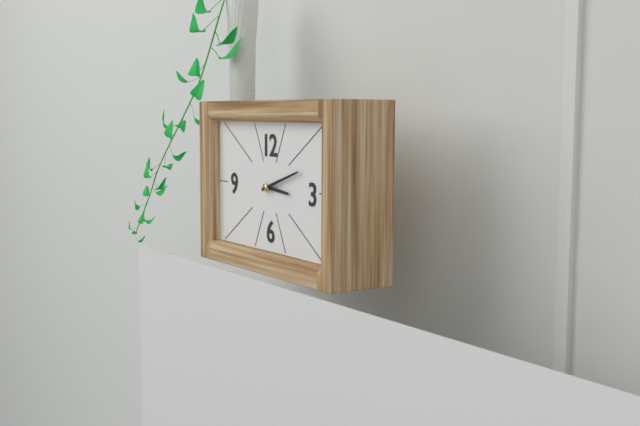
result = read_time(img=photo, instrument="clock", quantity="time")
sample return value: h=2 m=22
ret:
h=3 m=12
